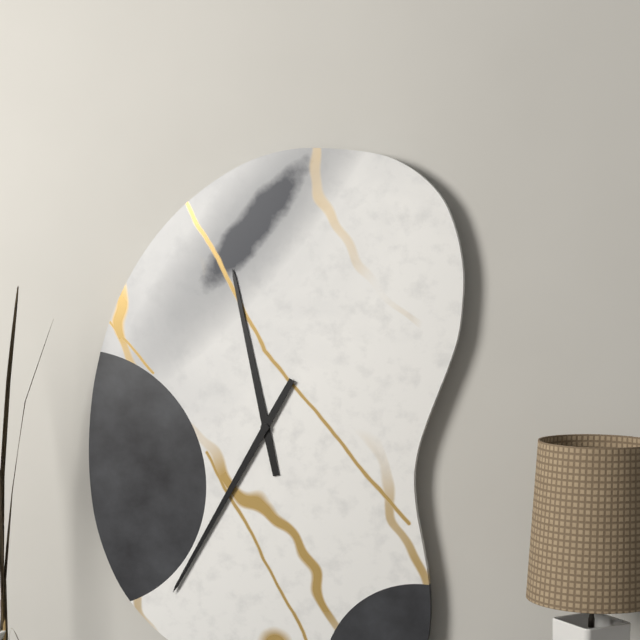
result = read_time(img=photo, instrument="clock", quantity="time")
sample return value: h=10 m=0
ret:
h=11 m=35
